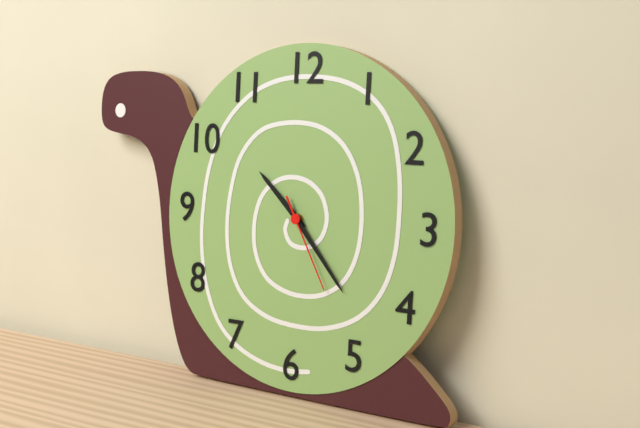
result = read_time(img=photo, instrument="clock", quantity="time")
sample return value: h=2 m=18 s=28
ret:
h=10 m=23 s=25
